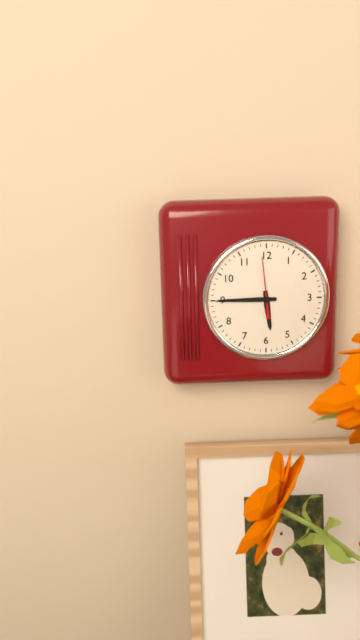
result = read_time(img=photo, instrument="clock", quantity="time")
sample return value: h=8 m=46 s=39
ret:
h=5 m=45 s=59
